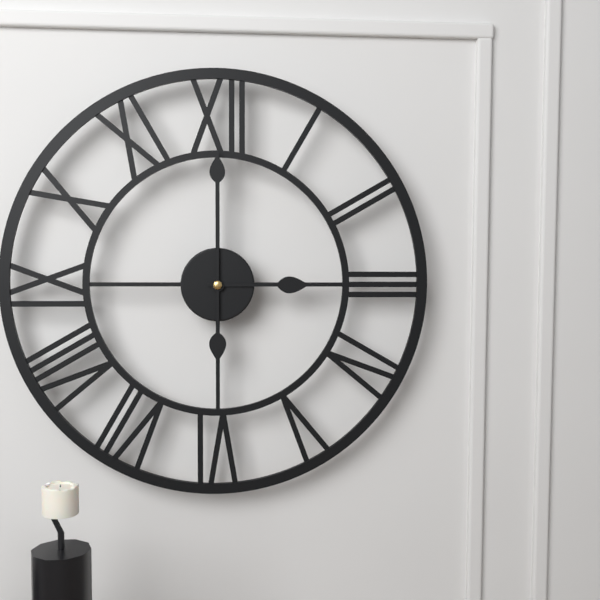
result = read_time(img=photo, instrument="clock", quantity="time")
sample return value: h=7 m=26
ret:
h=3 m=0
